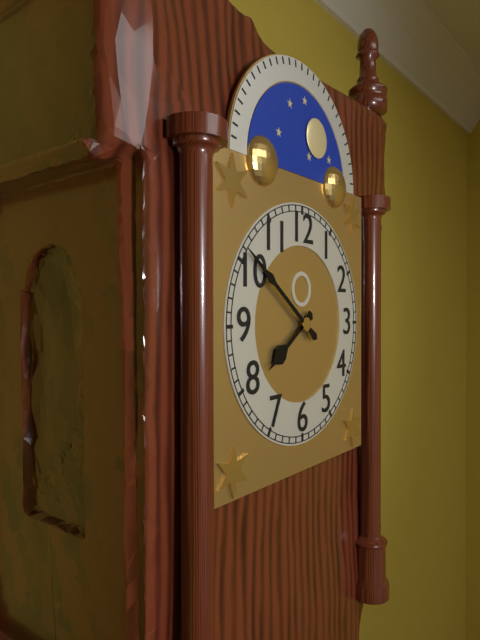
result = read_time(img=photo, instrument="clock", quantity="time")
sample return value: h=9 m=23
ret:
h=7 m=51
